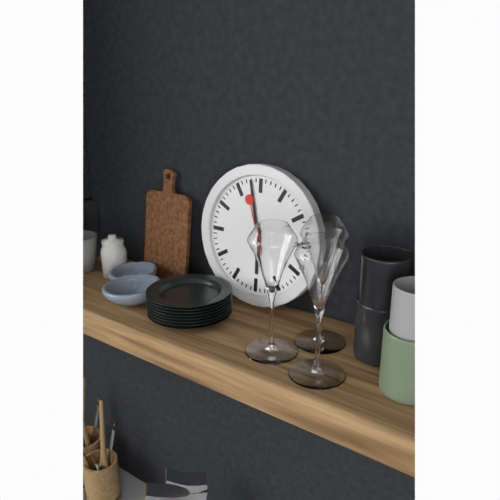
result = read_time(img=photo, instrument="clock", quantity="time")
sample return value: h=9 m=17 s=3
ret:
h=5 m=58 s=57
